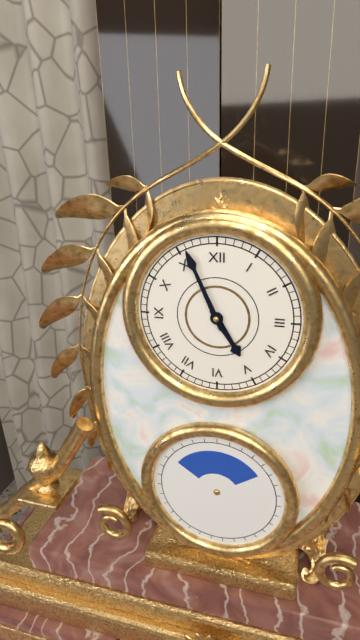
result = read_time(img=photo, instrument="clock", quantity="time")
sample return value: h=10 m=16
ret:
h=4 m=56
